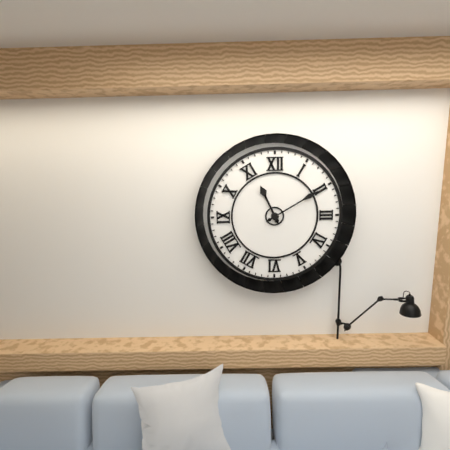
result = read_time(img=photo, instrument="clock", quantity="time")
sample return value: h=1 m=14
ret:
h=11 m=10
